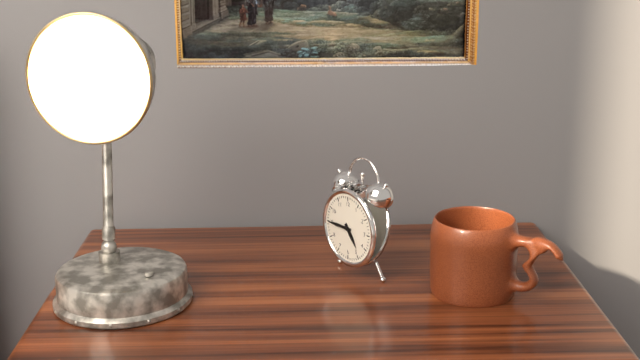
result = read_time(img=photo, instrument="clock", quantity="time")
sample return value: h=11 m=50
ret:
h=4 m=45
